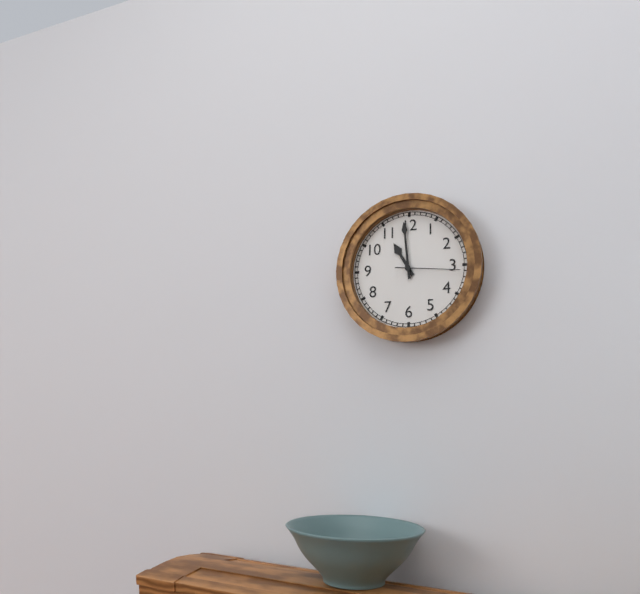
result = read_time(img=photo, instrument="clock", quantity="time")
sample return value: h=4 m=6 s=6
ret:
h=10 m=59 s=16
